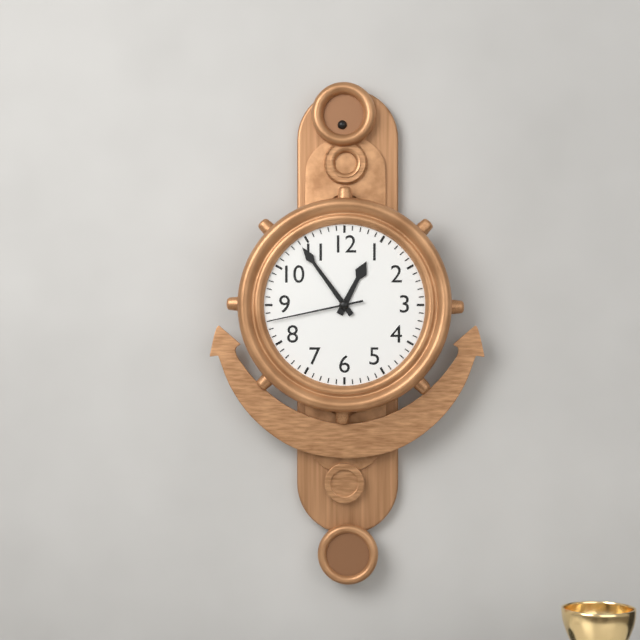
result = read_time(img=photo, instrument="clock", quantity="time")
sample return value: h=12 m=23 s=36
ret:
h=12 m=54 s=43
